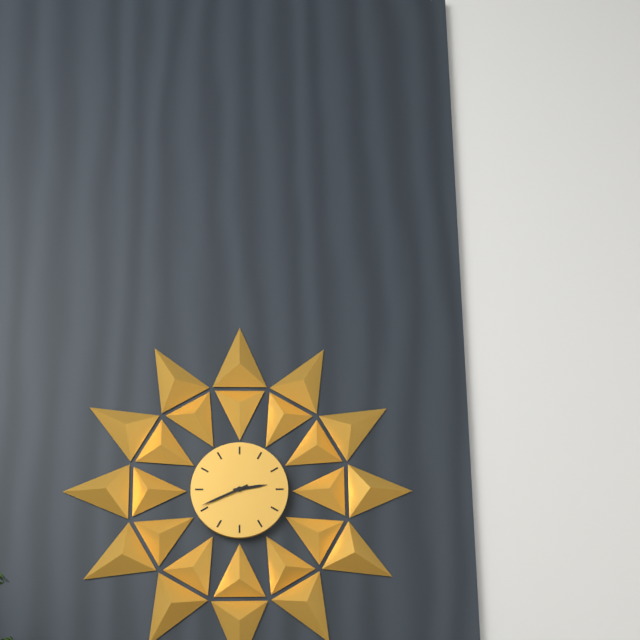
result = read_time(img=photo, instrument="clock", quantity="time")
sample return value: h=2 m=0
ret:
h=2 m=41
